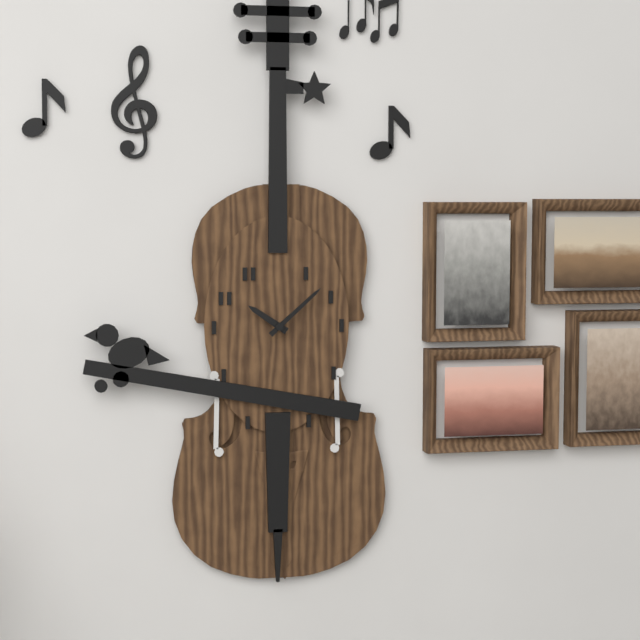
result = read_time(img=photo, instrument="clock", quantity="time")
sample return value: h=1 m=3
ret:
h=10 m=8
